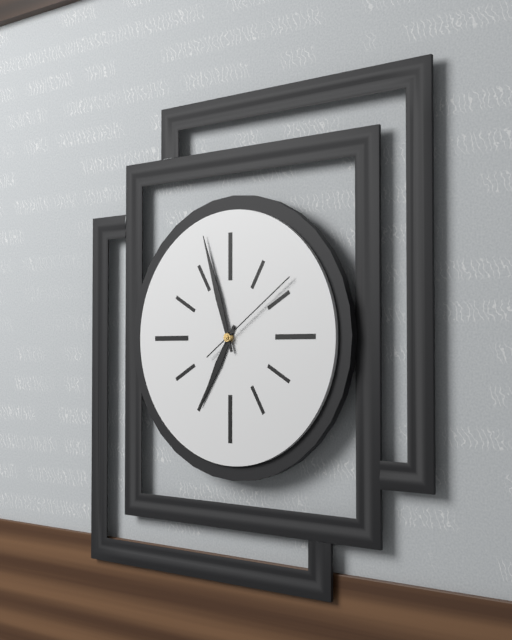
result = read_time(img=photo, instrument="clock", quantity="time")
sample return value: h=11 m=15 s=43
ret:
h=6 m=57 s=9
